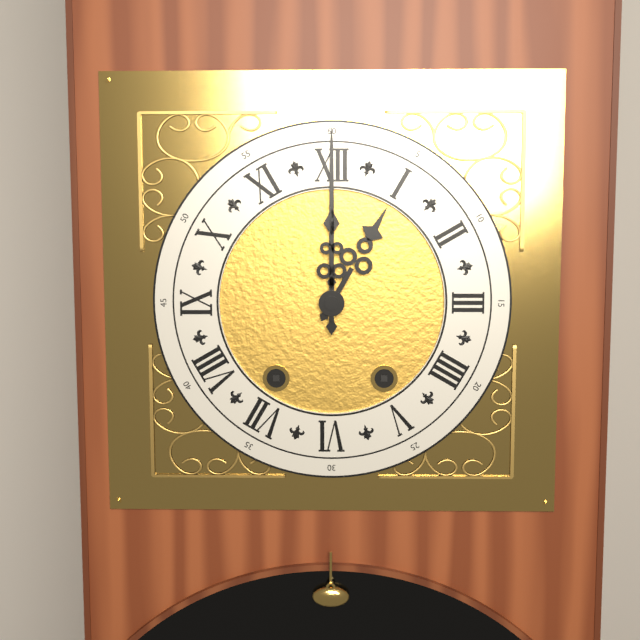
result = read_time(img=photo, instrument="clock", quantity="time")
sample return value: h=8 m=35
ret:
h=1 m=0
